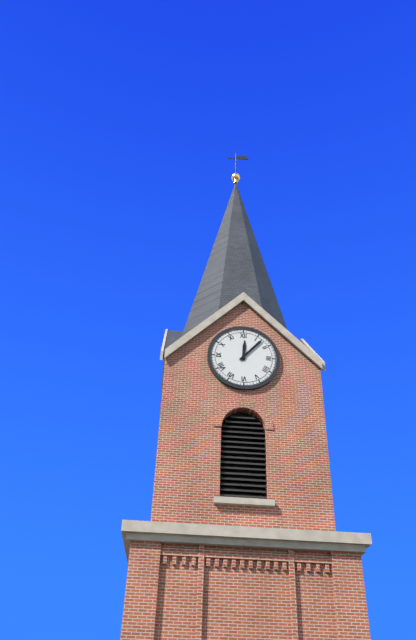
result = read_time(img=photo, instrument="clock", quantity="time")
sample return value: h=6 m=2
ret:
h=12 m=7
